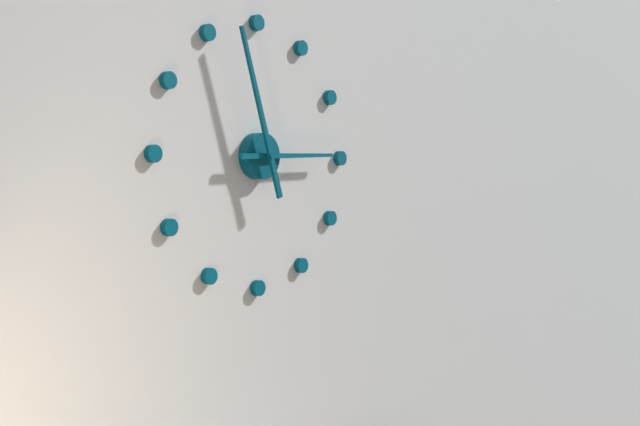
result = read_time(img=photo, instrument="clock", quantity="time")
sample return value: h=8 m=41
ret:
h=2 m=57
